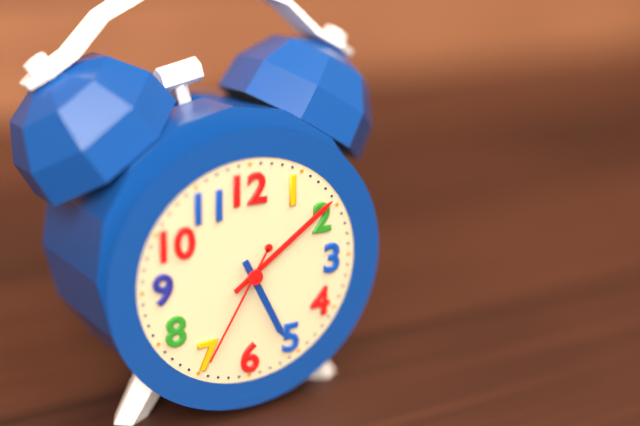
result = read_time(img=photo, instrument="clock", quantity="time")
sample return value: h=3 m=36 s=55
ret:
h=5 m=9 s=35
